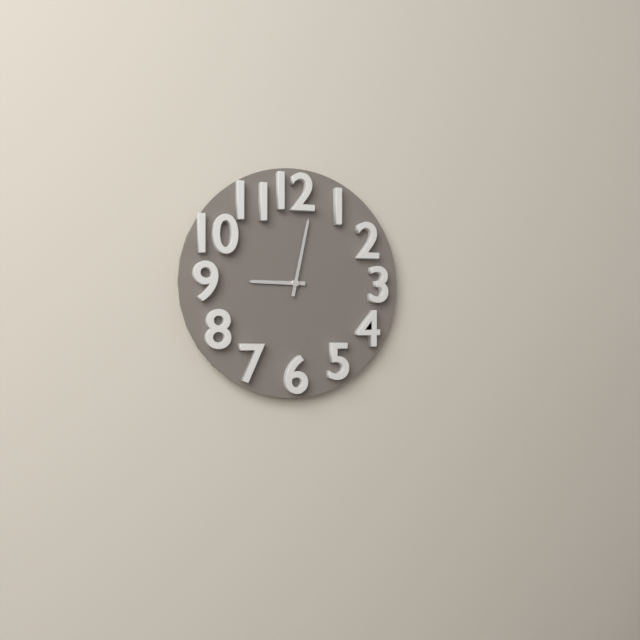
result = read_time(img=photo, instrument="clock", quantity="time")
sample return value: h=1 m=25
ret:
h=9 m=2
